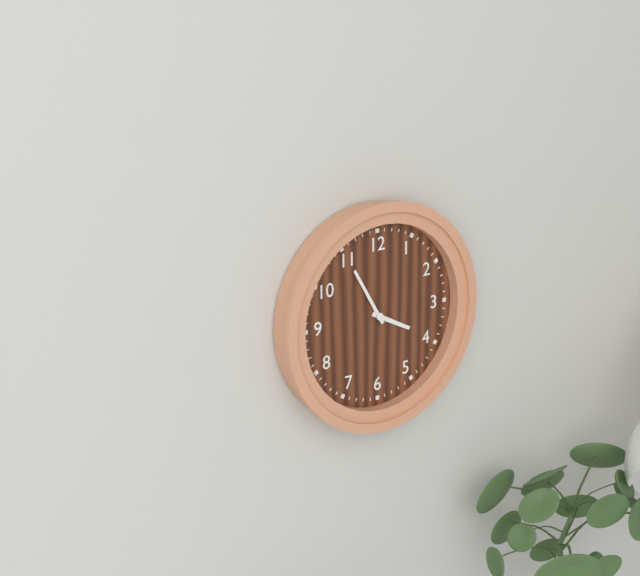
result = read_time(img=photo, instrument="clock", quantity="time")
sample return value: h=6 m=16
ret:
h=3 m=55
